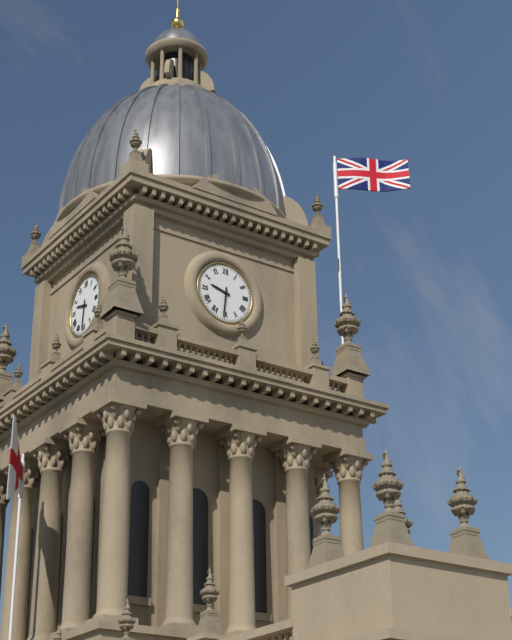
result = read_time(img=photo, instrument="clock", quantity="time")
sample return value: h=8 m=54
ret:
h=9 m=31
